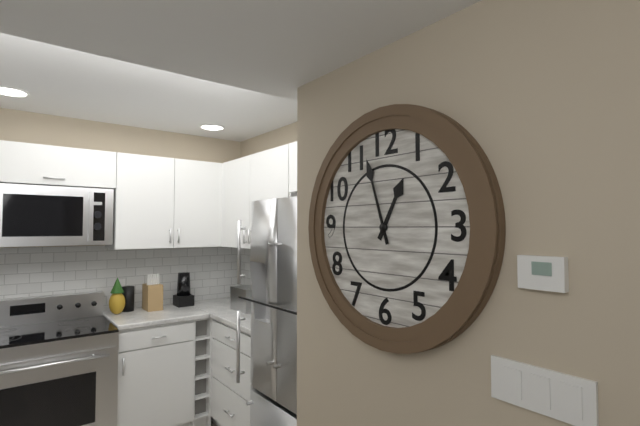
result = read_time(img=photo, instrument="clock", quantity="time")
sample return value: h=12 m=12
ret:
h=12 m=57
